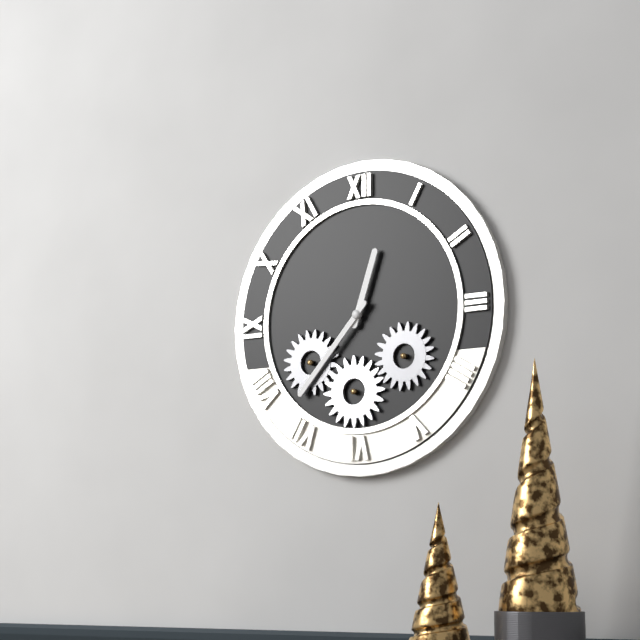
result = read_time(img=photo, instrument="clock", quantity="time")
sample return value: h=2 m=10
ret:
h=12 m=37
